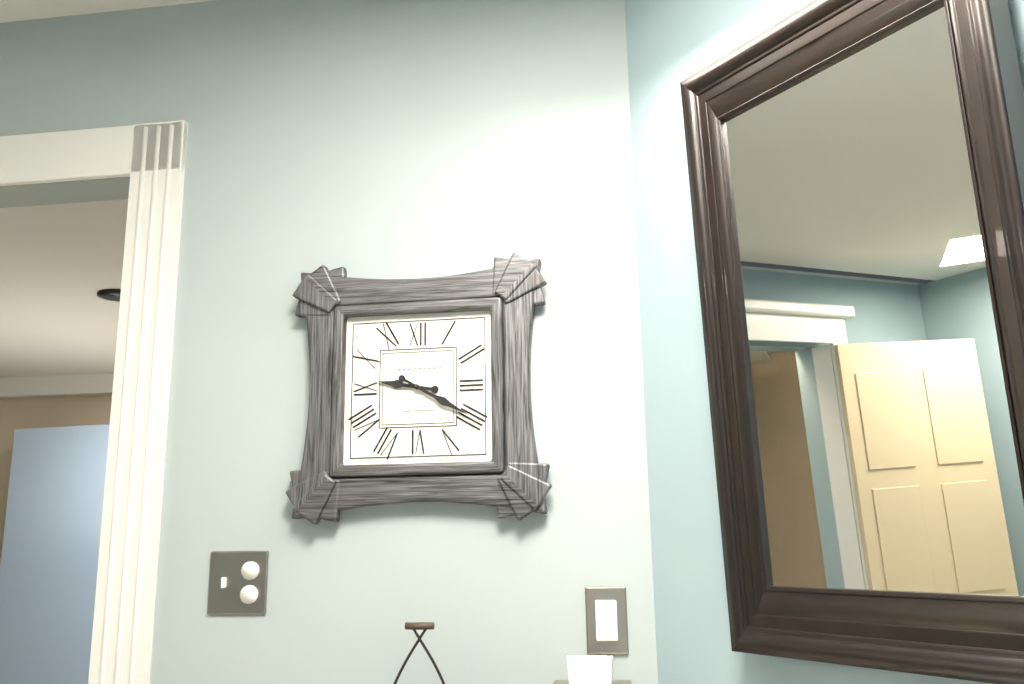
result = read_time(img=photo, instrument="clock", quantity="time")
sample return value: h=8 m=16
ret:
h=9 m=20
